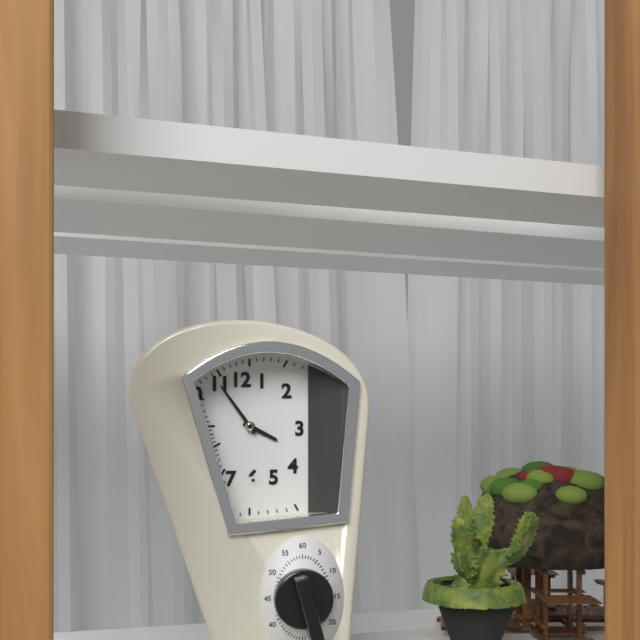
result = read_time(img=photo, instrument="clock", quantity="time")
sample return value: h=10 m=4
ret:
h=3 m=54
